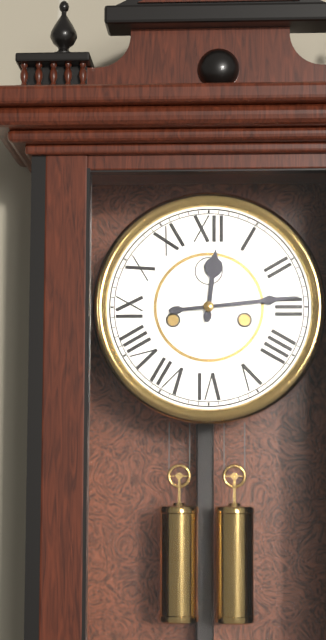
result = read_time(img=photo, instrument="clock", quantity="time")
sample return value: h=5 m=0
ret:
h=12 m=14
